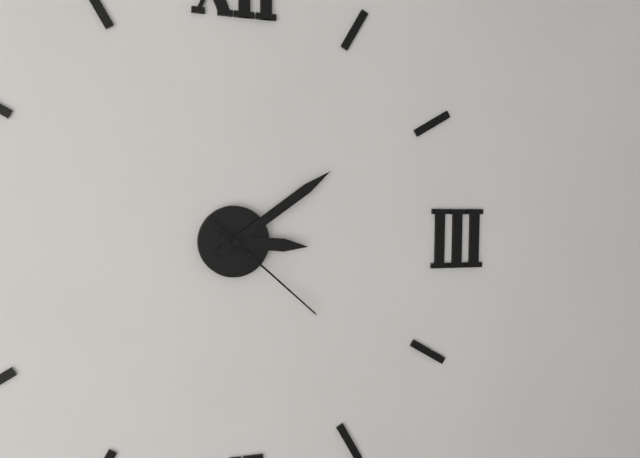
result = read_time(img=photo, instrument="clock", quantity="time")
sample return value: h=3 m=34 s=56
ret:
h=3 m=9 s=22
